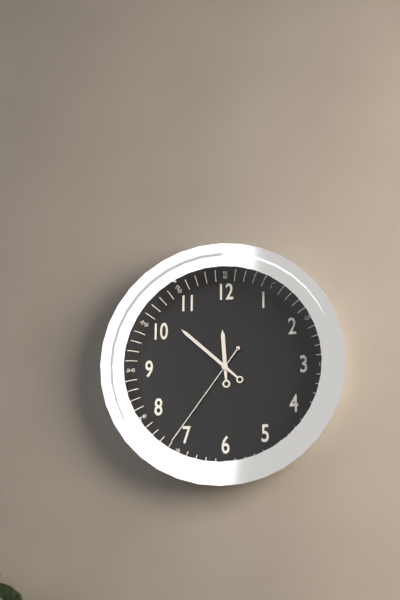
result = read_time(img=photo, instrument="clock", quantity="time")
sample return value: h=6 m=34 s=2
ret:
h=11 m=52 s=36
